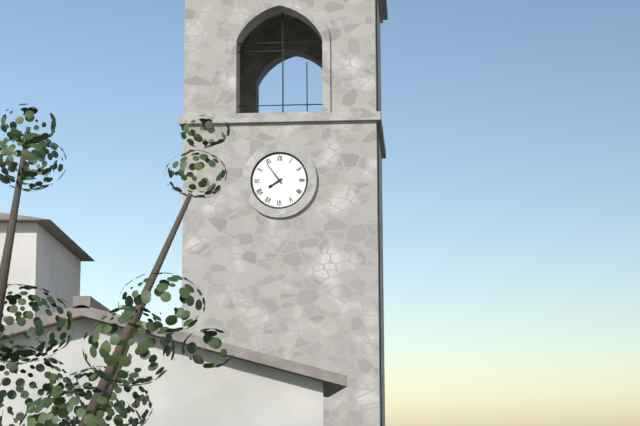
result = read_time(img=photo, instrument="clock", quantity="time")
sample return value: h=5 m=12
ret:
h=7 m=54
